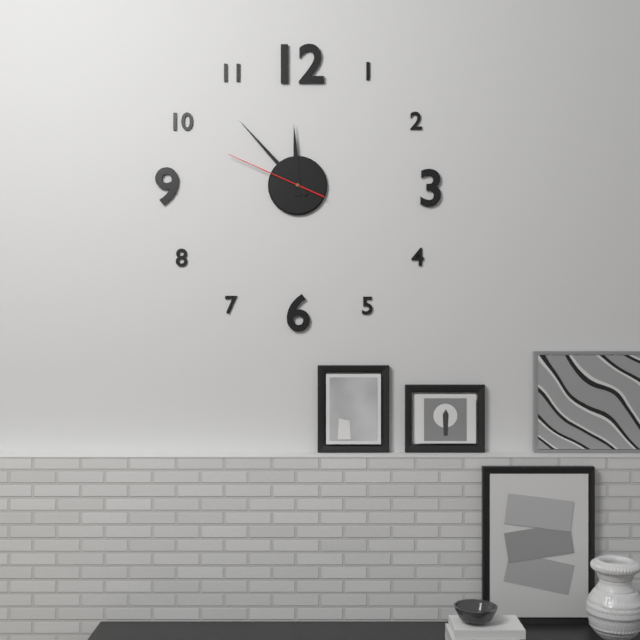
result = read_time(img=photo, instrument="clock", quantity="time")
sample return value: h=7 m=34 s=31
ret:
h=11 m=53 s=49
